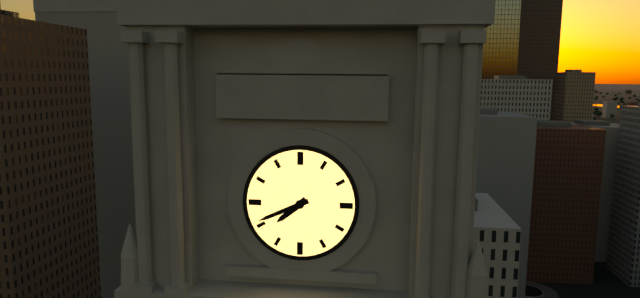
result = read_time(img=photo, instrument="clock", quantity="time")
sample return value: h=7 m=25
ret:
h=7 m=41
